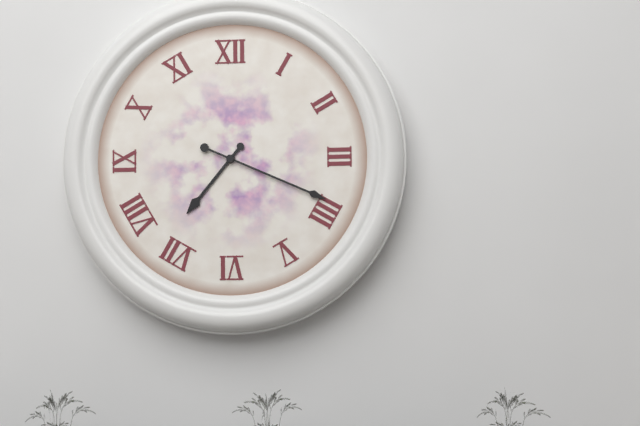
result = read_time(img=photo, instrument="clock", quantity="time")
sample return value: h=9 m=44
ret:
h=7 m=19
